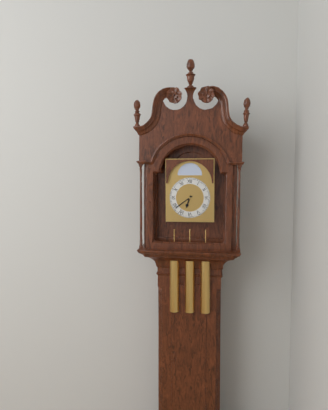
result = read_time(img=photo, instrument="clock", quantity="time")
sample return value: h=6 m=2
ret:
h=6 m=39
